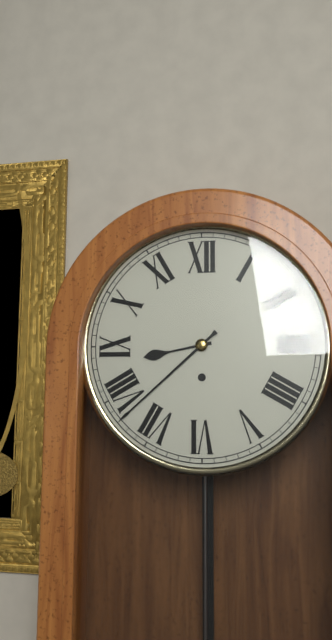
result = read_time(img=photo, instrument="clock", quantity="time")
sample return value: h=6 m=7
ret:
h=8 m=38
